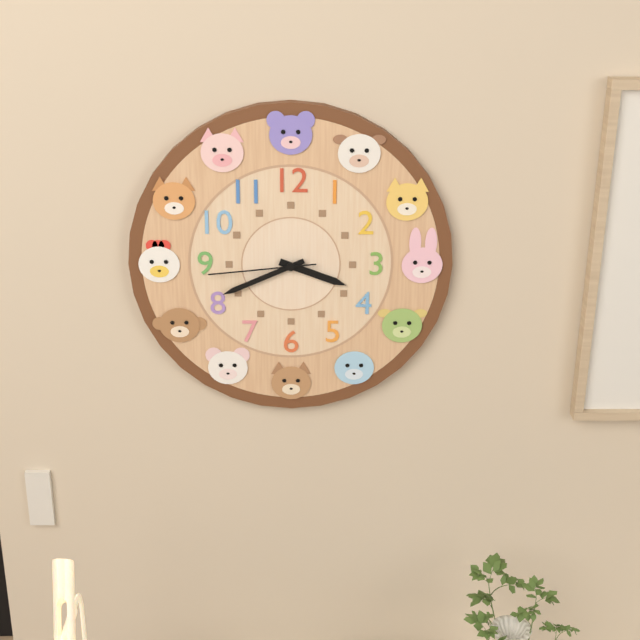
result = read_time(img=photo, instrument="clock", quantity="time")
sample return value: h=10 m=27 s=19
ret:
h=3 m=41 s=44
